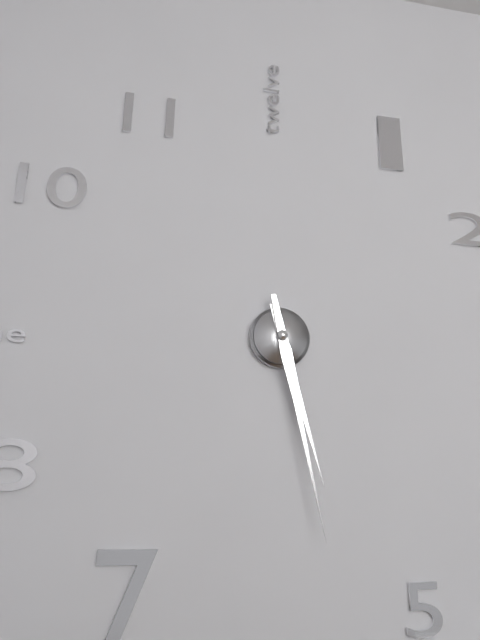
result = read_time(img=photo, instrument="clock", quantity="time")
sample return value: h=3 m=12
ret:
h=5 m=28
